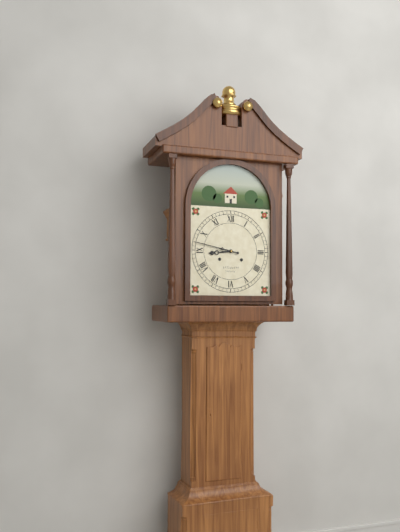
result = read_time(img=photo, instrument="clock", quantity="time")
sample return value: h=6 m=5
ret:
h=8 m=47
